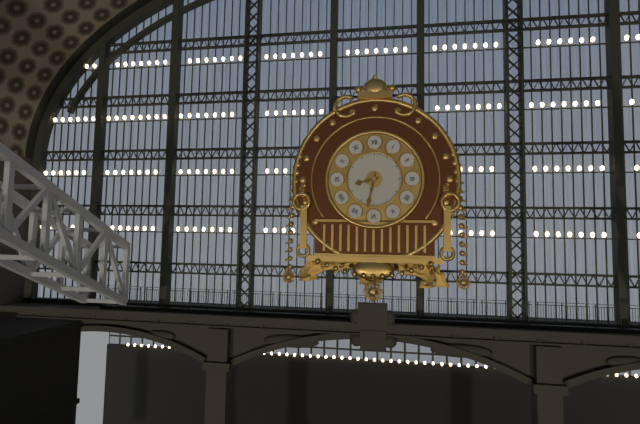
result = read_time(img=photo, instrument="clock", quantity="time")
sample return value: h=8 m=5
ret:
h=8 m=32
